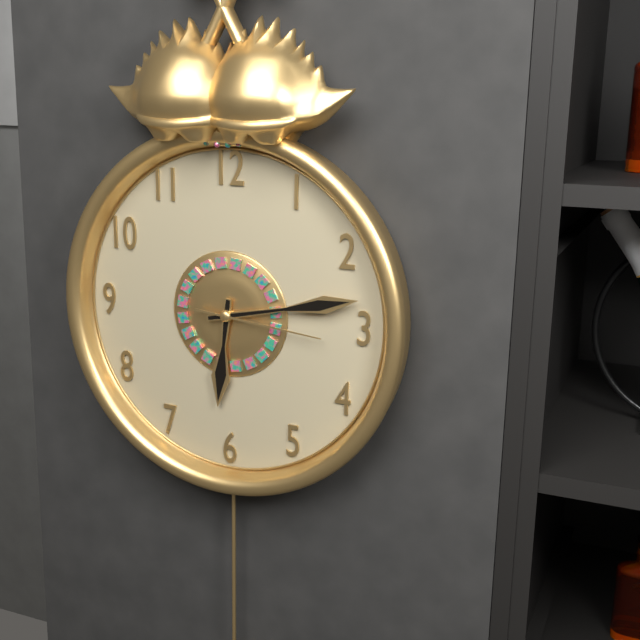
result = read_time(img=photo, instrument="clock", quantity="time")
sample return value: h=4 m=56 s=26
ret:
h=6 m=13 s=16
